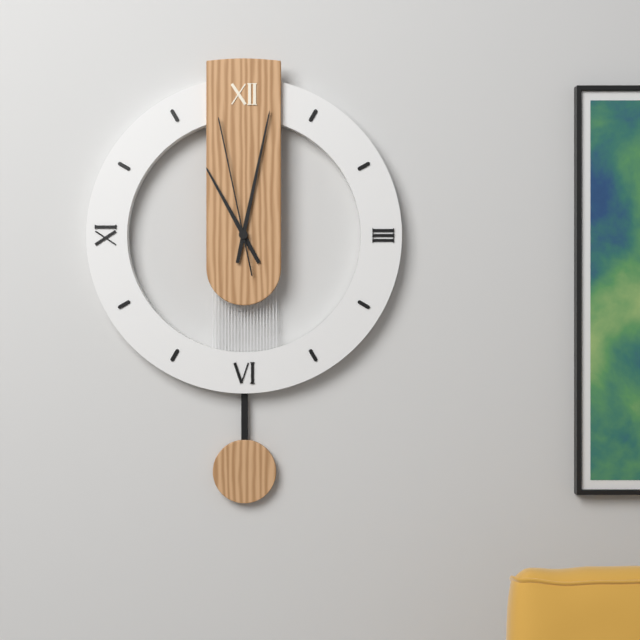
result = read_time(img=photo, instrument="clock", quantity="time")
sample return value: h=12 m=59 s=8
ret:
h=11 m=2 s=58
